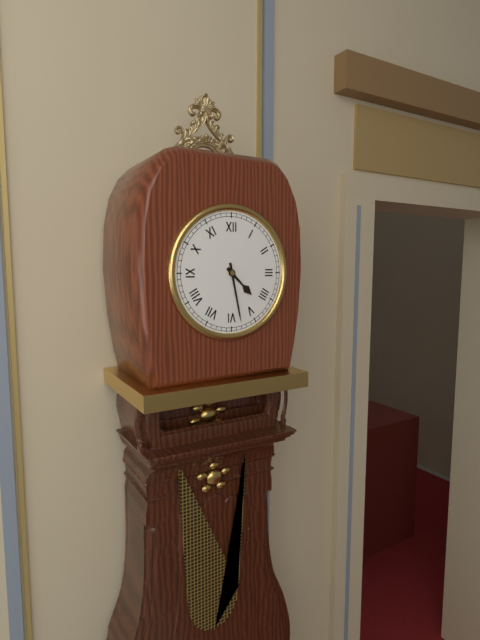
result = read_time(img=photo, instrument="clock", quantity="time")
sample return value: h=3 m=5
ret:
h=4 m=28
